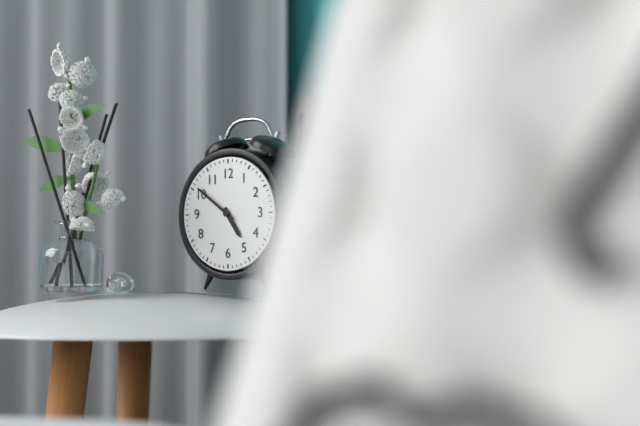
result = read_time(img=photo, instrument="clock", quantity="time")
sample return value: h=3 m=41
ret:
h=4 m=51
